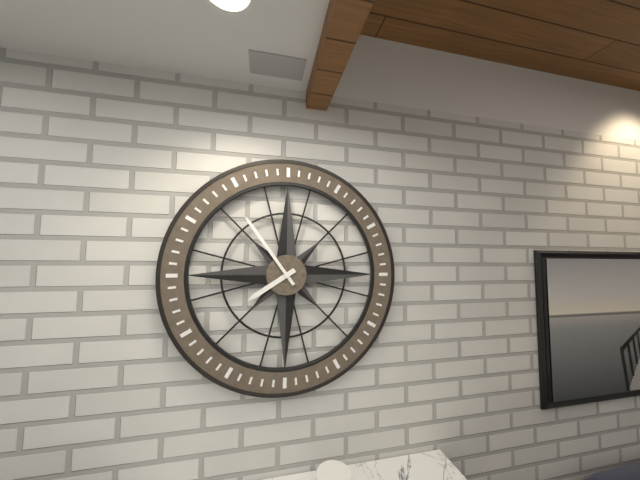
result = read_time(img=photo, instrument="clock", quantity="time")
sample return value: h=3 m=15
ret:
h=7 m=54
